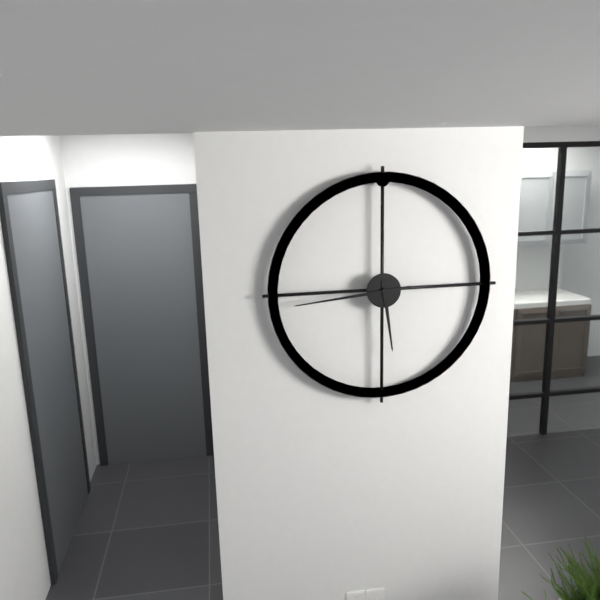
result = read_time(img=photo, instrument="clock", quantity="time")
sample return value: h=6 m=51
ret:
h=5 m=44
